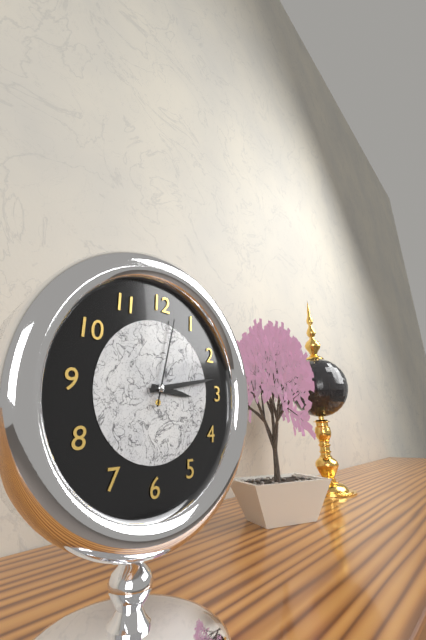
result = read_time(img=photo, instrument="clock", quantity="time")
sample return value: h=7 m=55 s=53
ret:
h=3 m=13 s=2
